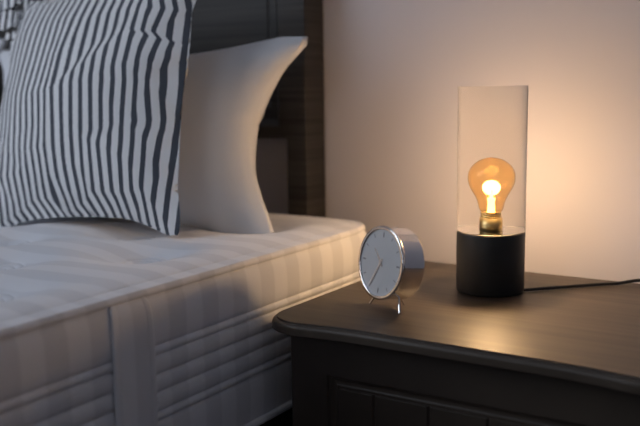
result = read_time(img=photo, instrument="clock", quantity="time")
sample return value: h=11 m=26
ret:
h=10 m=35
